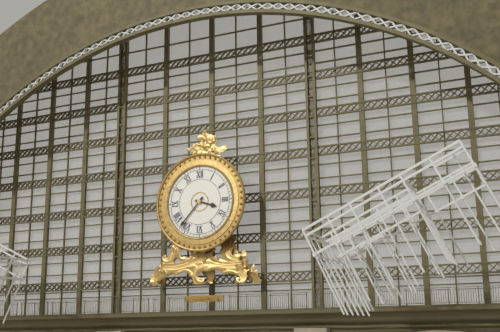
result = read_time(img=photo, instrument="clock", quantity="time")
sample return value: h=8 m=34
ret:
h=3 m=37
